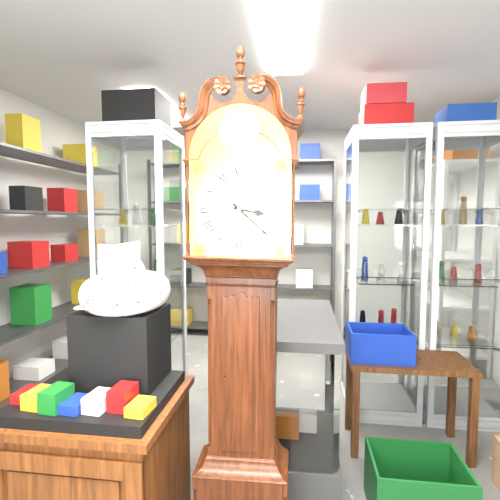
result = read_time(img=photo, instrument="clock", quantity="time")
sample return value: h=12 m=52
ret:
h=3 m=22
